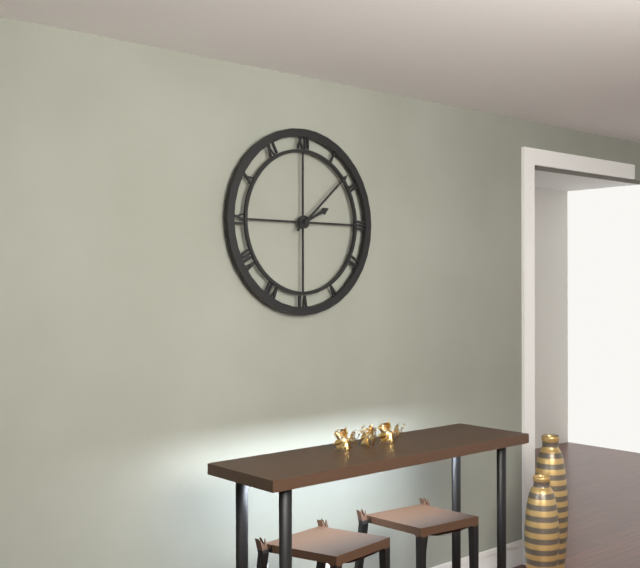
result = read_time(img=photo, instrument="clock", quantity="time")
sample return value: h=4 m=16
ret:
h=2 m=8
